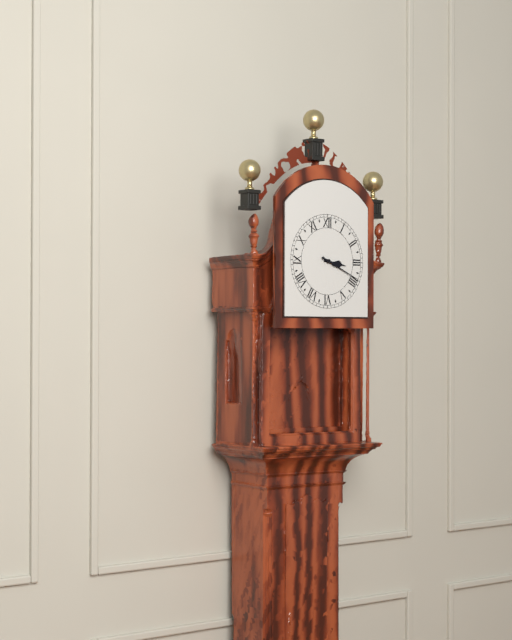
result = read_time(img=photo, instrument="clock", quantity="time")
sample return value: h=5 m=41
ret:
h=3 m=19
